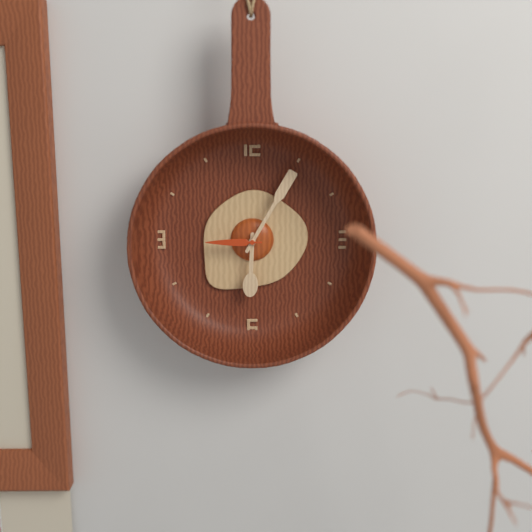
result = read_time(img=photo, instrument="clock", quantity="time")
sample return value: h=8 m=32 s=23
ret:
h=6 m=5 s=45
